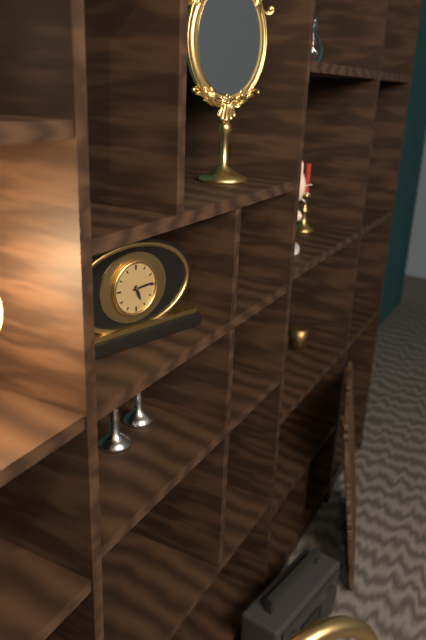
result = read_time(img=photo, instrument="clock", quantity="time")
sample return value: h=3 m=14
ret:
h=5 m=14
